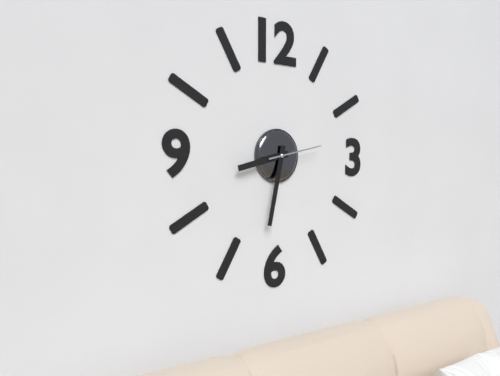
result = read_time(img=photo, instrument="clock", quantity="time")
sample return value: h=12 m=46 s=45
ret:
h=8 m=32 s=13
